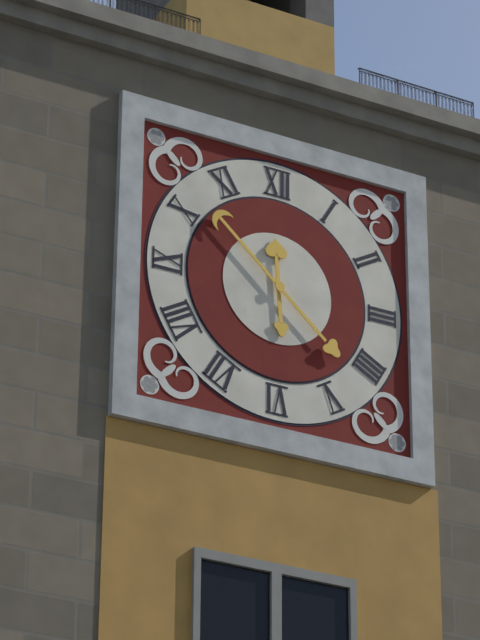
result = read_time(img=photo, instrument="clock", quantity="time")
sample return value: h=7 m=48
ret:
h=11 m=52
